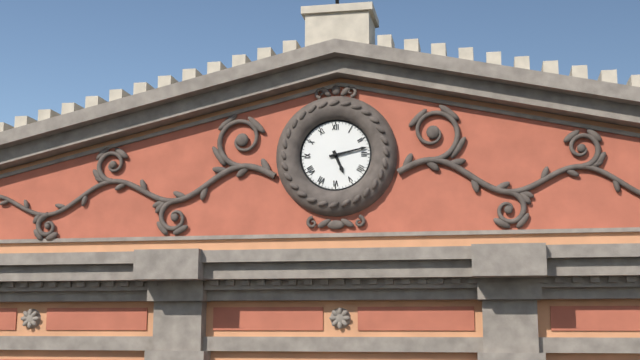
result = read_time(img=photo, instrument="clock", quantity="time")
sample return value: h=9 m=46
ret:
h=5 m=13
